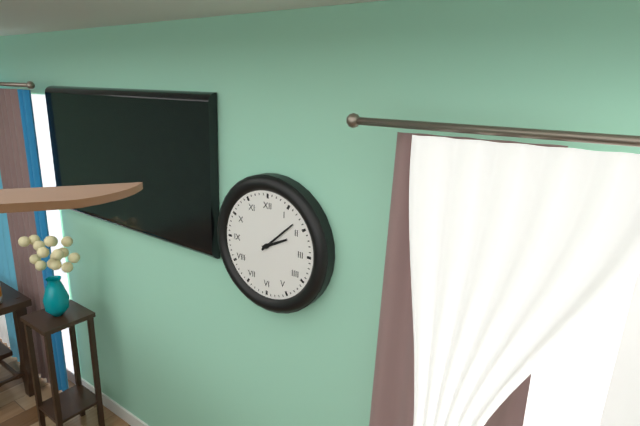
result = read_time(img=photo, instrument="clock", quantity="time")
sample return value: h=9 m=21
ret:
h=2 m=8
